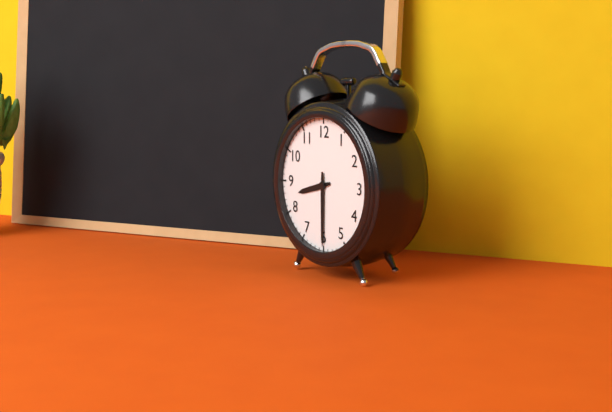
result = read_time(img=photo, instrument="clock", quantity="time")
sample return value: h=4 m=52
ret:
h=8 m=30
